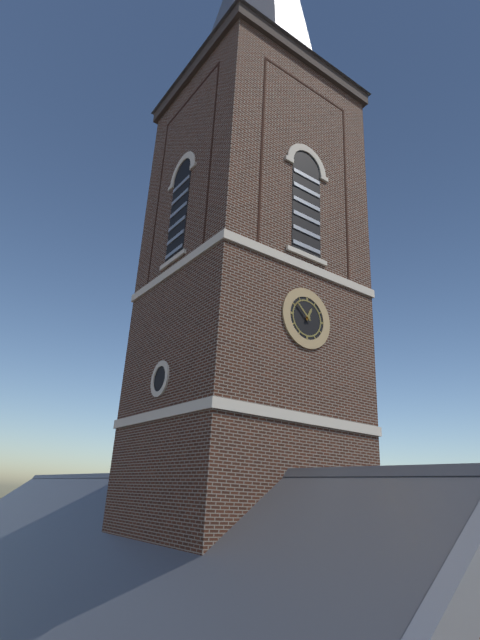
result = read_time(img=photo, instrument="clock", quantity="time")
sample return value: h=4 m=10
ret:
h=12 m=52
